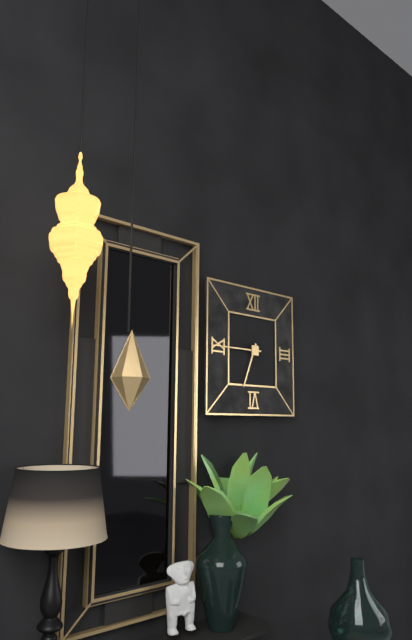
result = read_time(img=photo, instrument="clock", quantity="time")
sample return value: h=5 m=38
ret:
h=6 m=45
